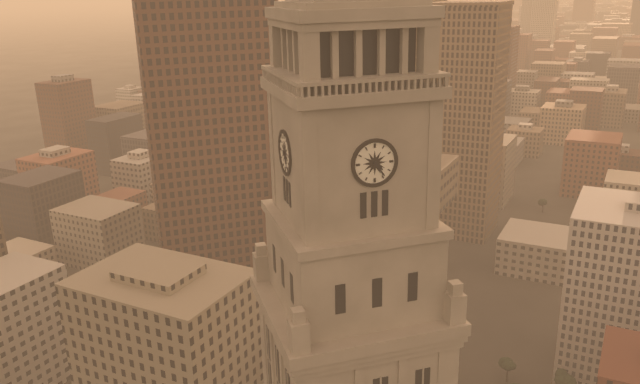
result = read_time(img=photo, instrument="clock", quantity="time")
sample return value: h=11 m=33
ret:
h=4 m=24
